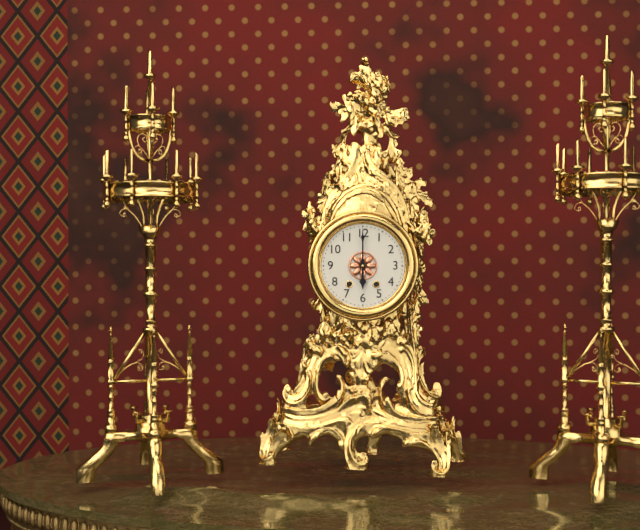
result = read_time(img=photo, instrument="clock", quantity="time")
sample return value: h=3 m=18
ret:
h=6 m=0
